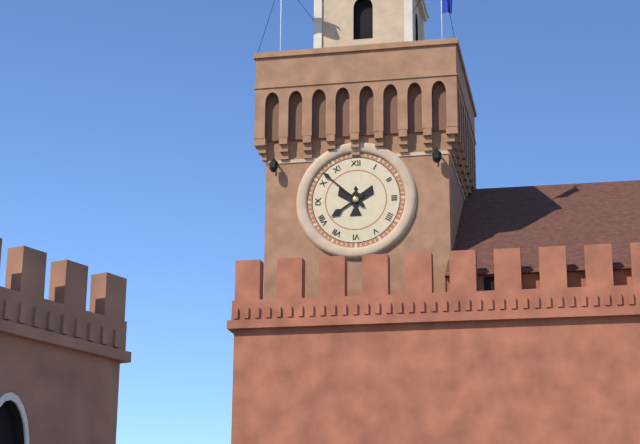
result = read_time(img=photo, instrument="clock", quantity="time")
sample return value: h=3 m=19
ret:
h=7 m=52
